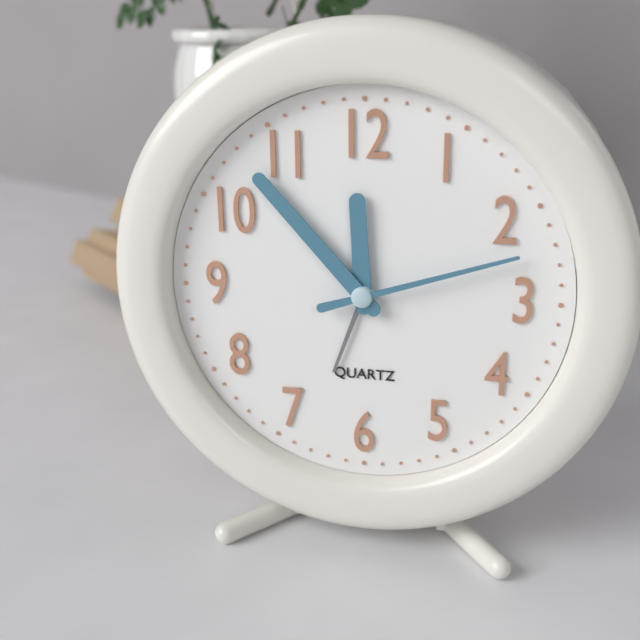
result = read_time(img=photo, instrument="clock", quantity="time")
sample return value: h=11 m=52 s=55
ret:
h=11 m=53 s=12
